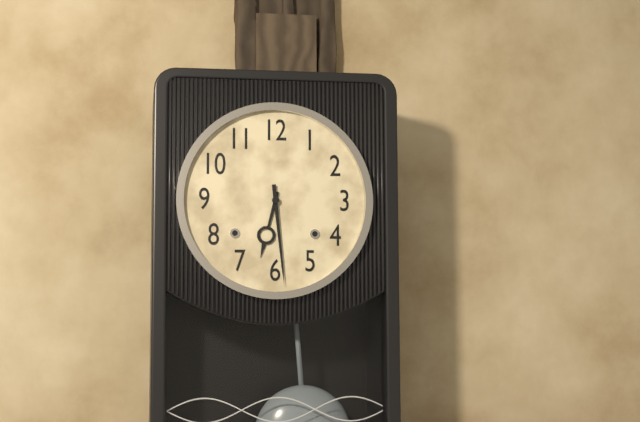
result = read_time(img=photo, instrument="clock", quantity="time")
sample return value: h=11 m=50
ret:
h=6 m=29
